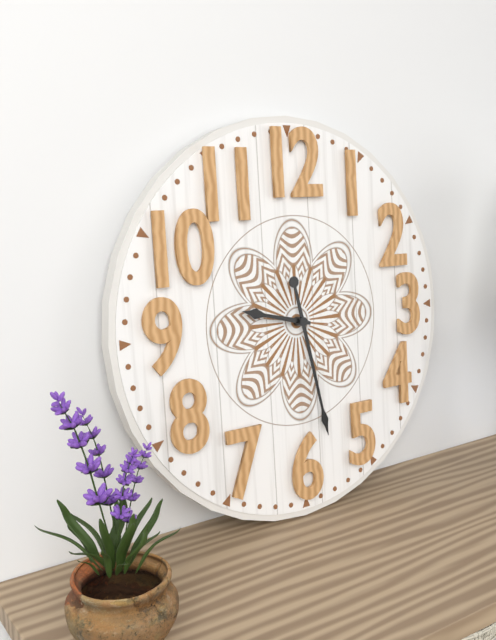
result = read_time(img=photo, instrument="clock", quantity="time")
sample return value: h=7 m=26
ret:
h=9 m=28
